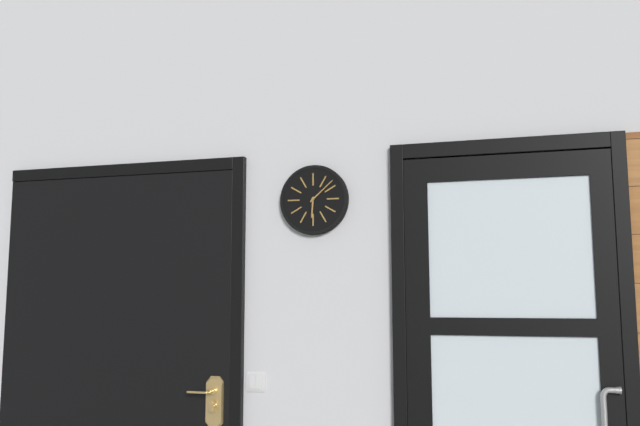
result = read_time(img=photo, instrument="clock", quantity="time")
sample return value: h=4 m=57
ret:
h=6 m=8
